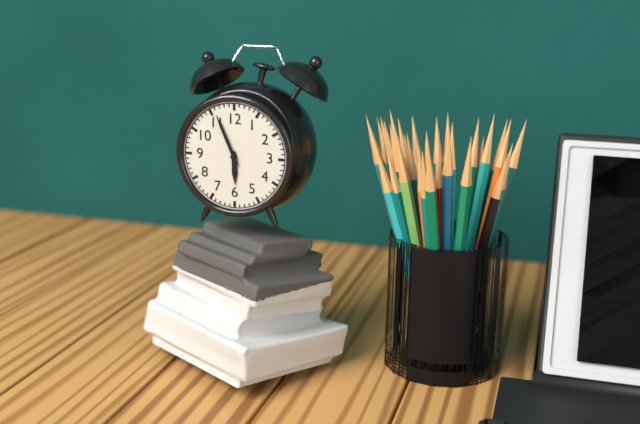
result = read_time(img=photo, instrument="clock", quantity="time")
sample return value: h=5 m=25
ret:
h=5 m=56
